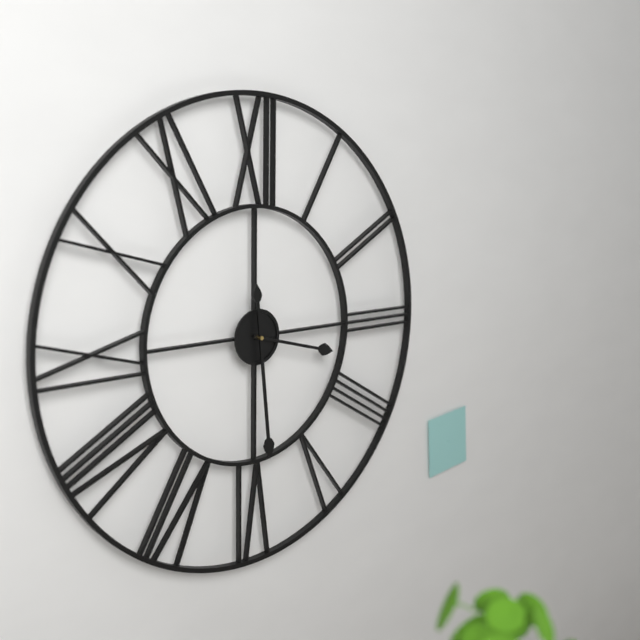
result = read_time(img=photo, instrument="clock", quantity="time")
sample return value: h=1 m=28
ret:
h=3 m=29
